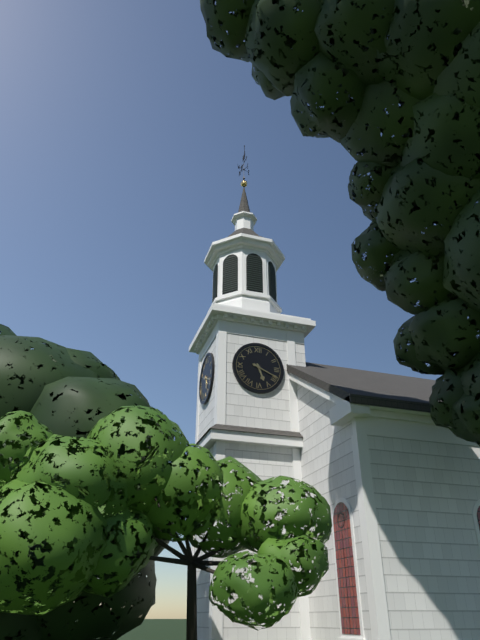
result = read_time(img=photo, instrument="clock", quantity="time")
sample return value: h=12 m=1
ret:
h=5 m=19
